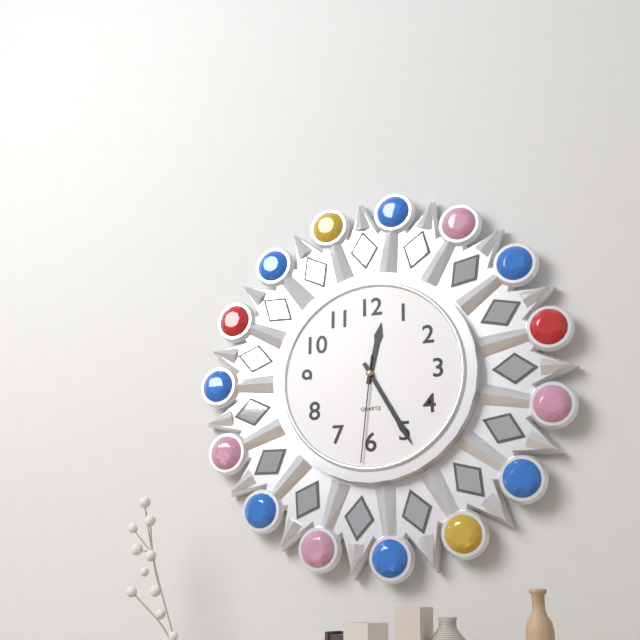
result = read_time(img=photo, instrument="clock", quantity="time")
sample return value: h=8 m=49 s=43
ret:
h=12 m=25 s=31
